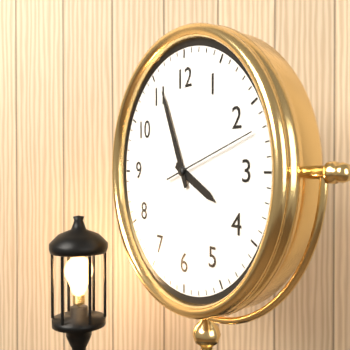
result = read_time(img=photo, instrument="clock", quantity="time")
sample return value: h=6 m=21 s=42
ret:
h=3 m=56 s=12
